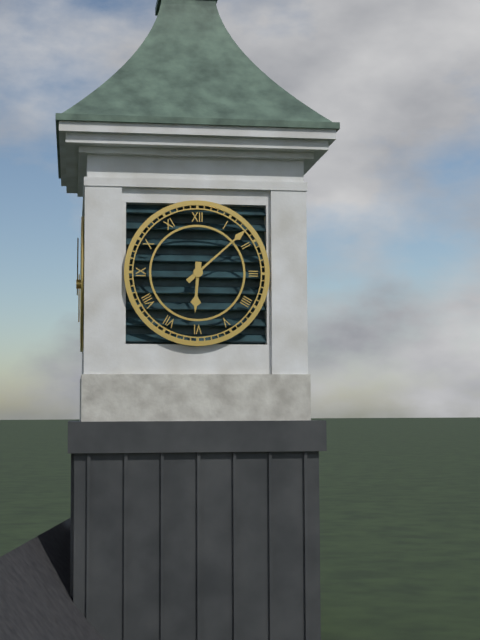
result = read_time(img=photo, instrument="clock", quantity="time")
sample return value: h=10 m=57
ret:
h=6 m=8
